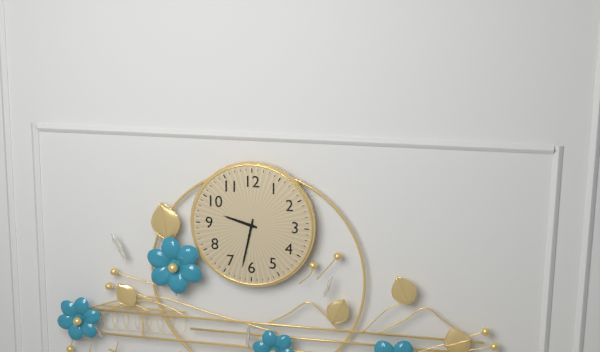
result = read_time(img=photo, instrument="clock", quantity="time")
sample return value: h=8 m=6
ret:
h=9 m=32
